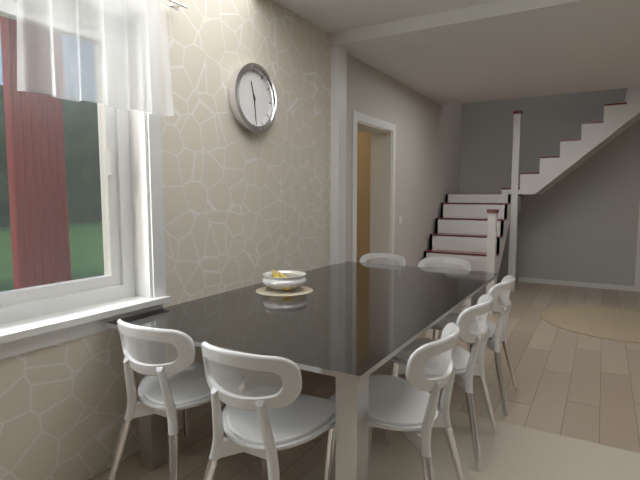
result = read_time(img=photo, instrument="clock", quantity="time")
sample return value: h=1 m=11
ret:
h=11 m=29
